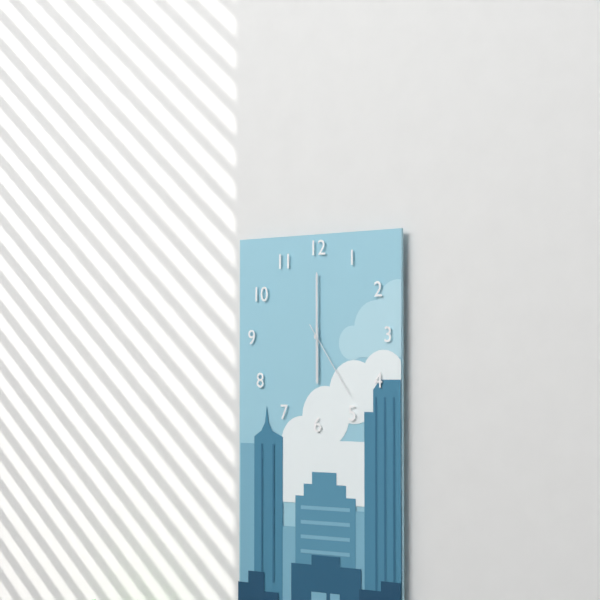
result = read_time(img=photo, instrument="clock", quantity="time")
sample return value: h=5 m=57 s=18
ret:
h=6 m=0 s=24
